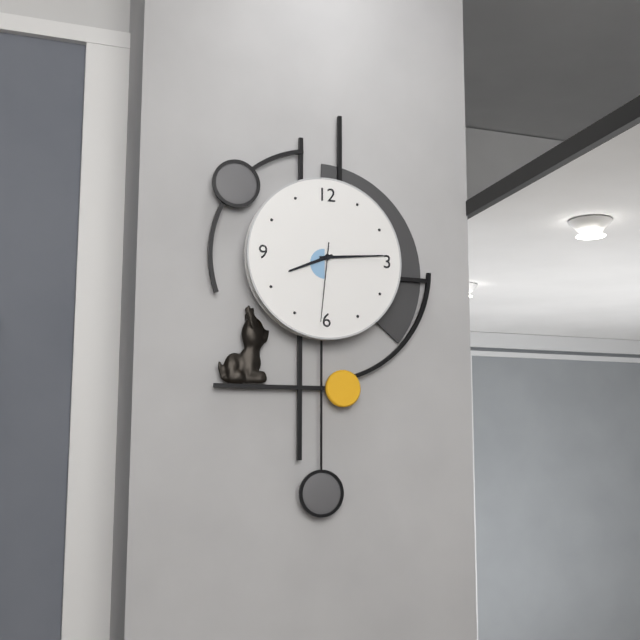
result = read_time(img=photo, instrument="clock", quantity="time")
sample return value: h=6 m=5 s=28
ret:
h=8 m=14 s=31
